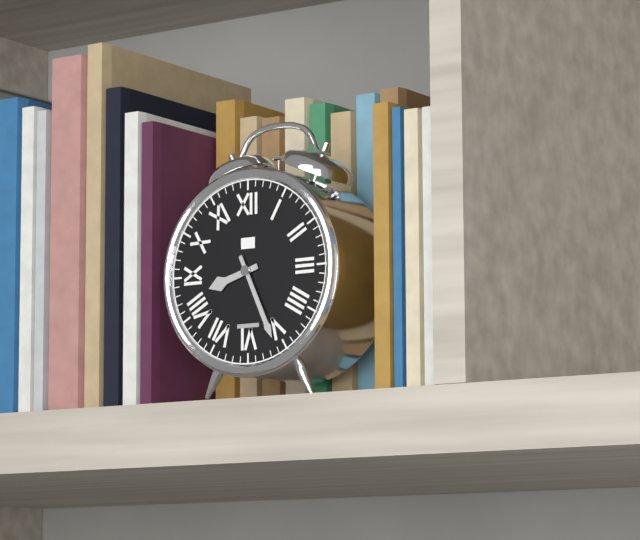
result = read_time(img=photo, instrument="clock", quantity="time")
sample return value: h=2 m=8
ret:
h=8 m=26
